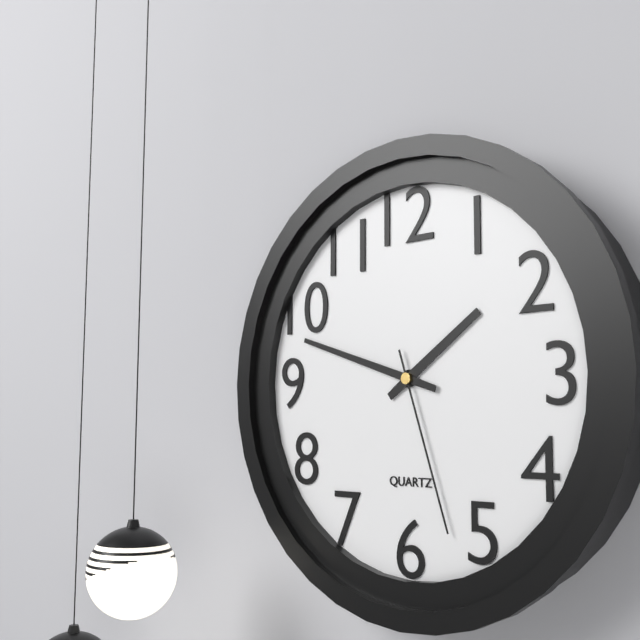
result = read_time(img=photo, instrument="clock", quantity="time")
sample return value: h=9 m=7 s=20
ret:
h=1 m=48 s=27
